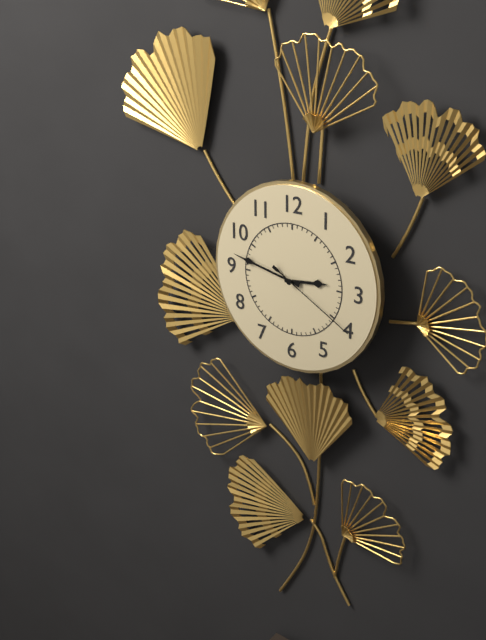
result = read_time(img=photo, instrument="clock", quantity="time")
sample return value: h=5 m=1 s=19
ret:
h=2 m=47 s=20
